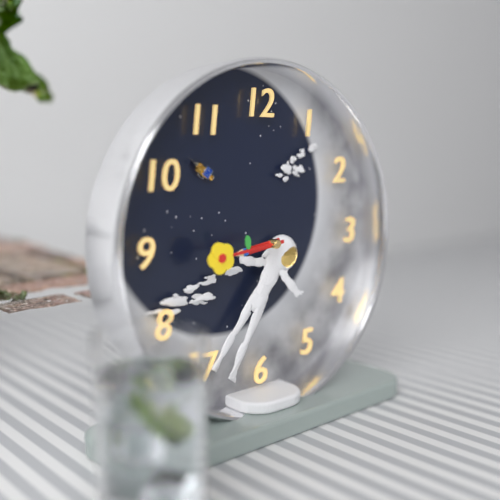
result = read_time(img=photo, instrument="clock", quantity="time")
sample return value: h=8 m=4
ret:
h=8 m=44
